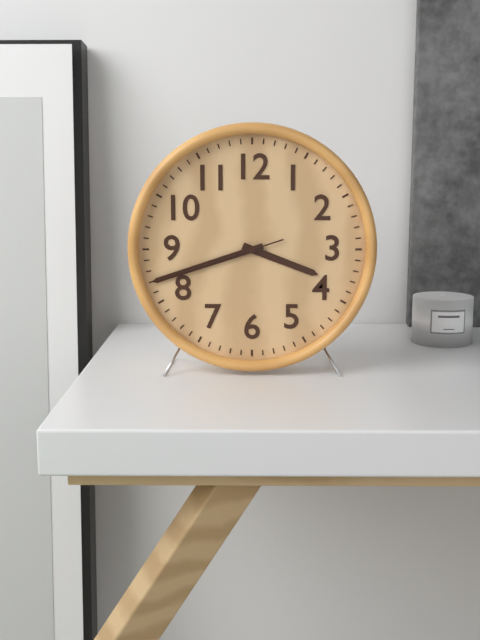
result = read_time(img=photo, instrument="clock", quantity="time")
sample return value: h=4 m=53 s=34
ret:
h=3 m=42 s=42
